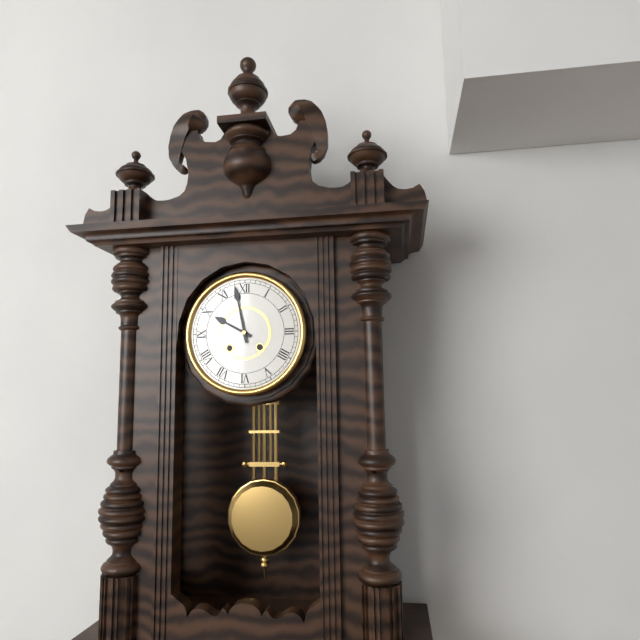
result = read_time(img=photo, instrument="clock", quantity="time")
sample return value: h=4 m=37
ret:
h=9 m=58
